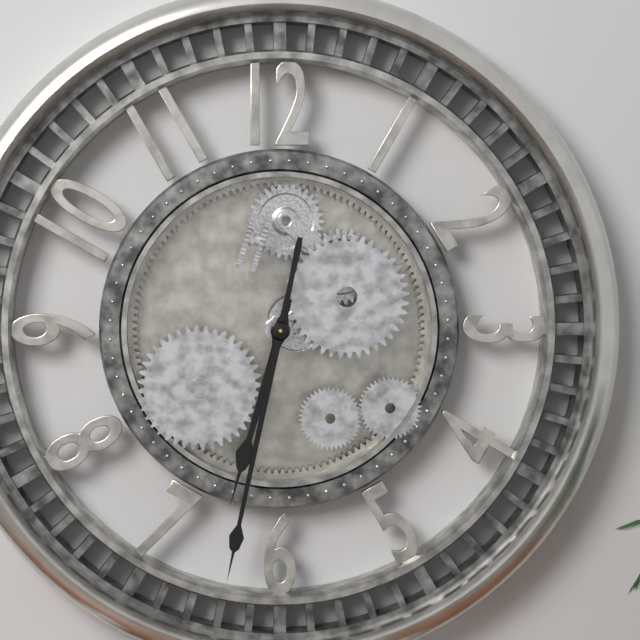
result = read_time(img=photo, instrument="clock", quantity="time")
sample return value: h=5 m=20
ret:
h=6 m=32
